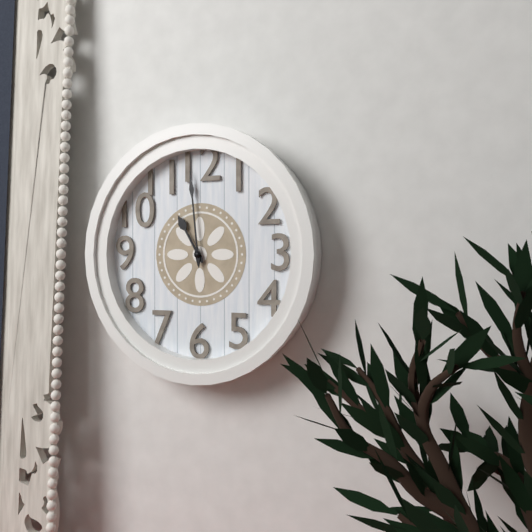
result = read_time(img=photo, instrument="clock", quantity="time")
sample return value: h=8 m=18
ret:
h=10 m=59
